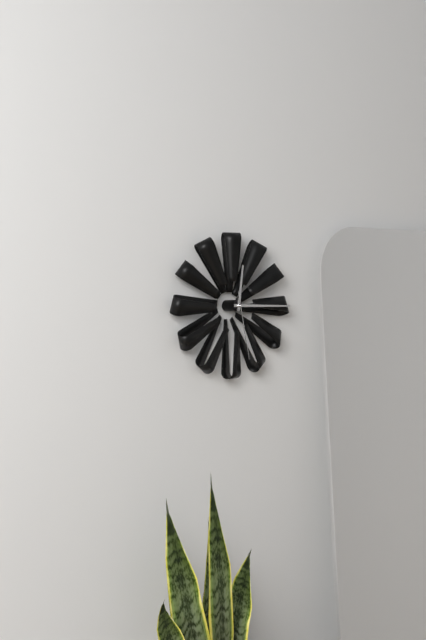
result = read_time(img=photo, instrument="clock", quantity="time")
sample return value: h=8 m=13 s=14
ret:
h=12 m=15 s=28
